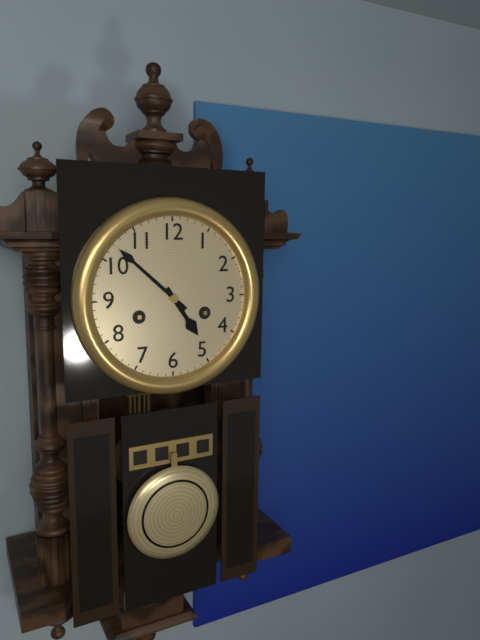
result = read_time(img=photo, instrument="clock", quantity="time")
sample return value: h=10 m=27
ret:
h=4 m=52
